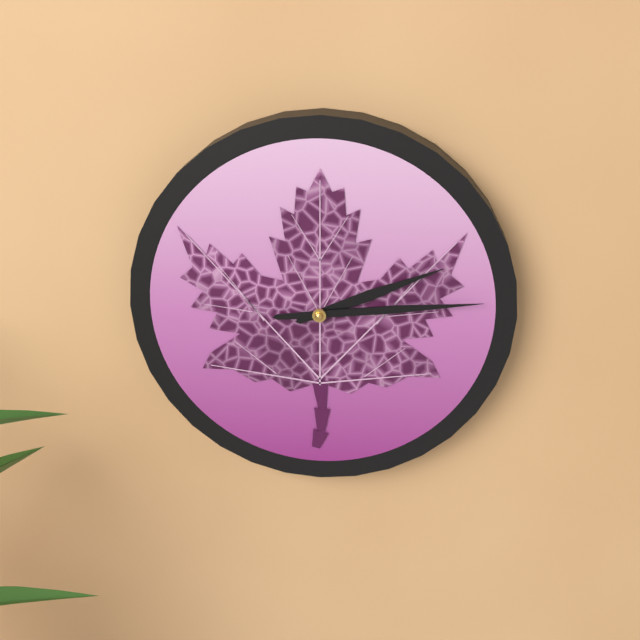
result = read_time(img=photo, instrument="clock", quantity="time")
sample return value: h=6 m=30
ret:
h=2 m=14
